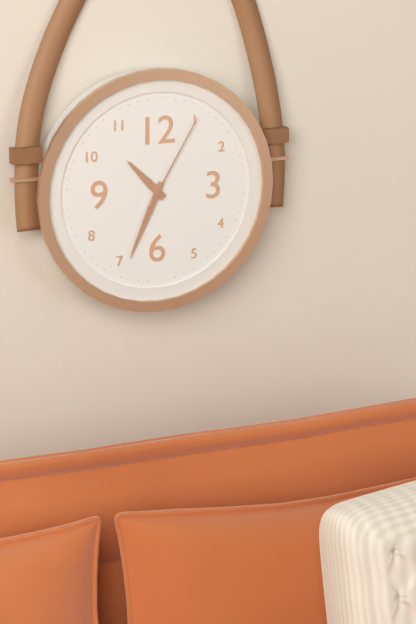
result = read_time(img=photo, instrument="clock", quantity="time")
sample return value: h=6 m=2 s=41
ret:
h=10 m=34 s=5
